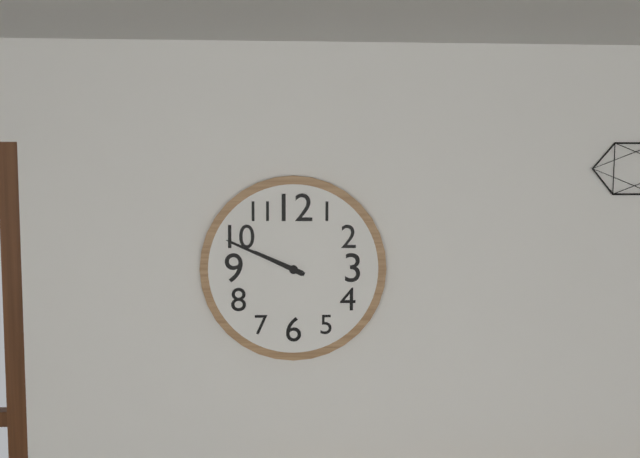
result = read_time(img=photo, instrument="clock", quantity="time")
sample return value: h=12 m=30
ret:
h=9 m=49
